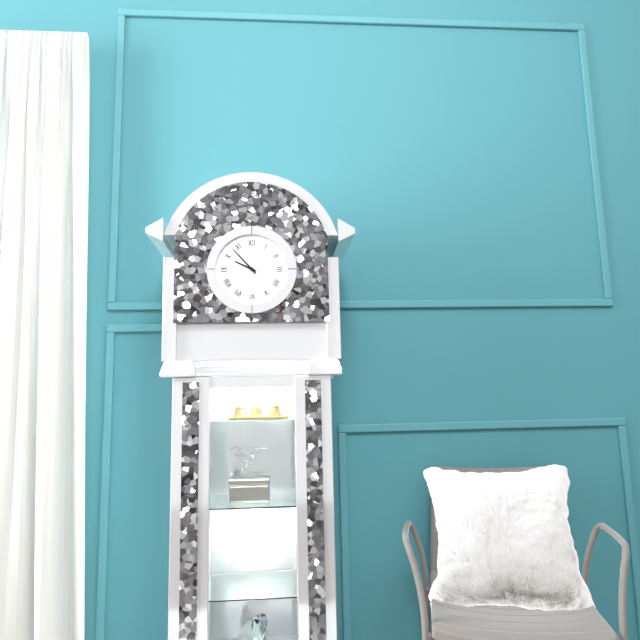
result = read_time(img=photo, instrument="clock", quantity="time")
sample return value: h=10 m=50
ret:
h=9 m=53
